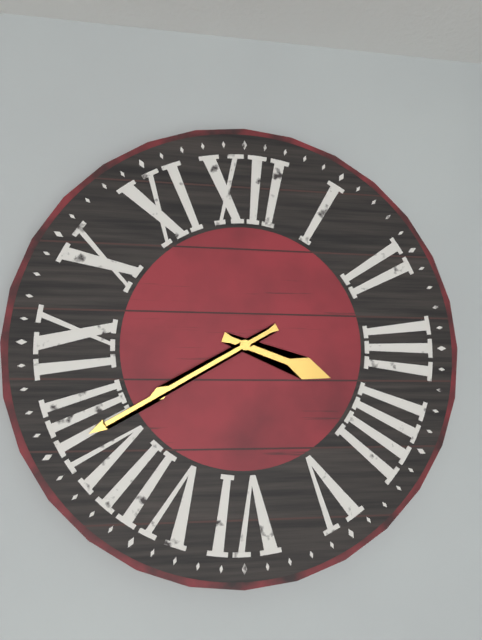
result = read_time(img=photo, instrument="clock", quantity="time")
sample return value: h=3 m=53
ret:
h=3 m=40
